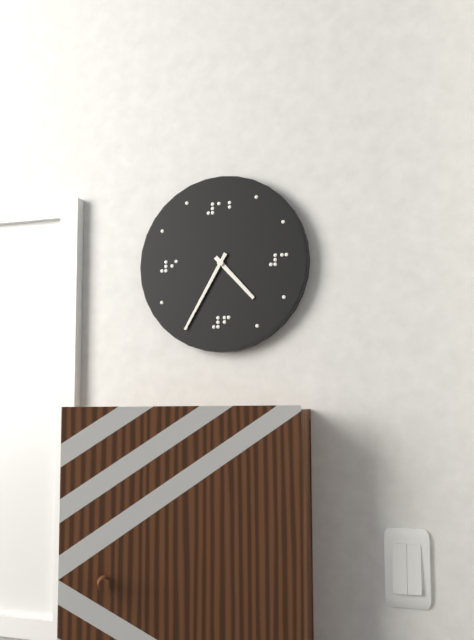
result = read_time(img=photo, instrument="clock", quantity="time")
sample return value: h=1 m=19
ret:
h=4 m=35
